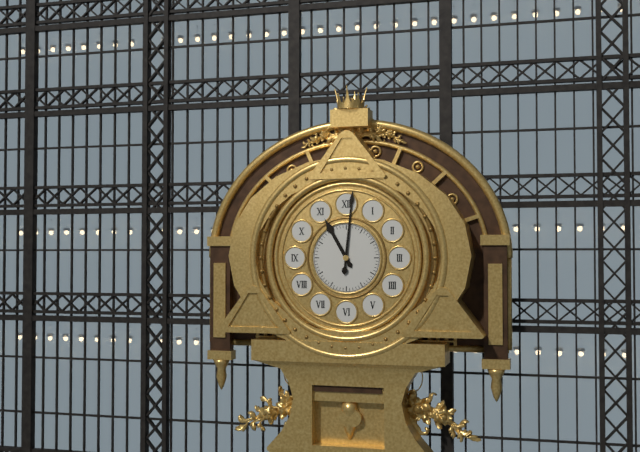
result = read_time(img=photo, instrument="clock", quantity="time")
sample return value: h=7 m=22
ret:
h=11 m=1
